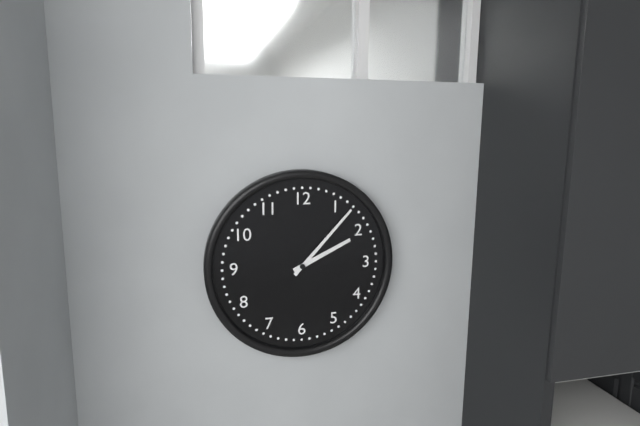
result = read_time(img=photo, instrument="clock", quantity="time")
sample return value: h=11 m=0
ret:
h=2 m=7
